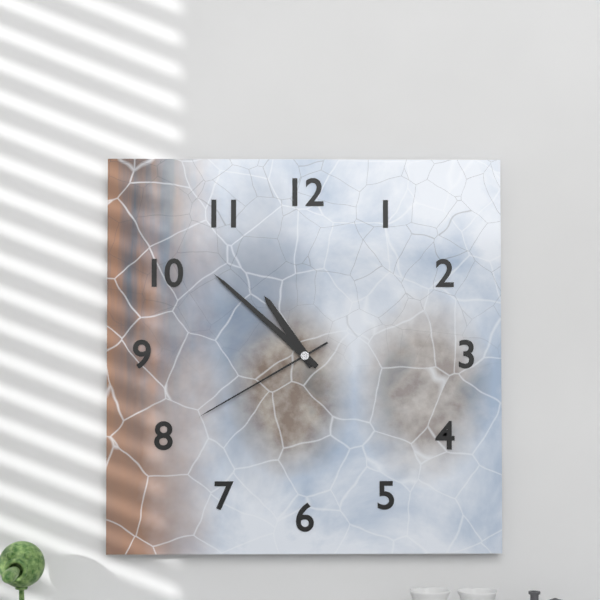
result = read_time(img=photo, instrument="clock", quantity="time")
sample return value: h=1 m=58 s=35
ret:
h=10 m=52 s=40
